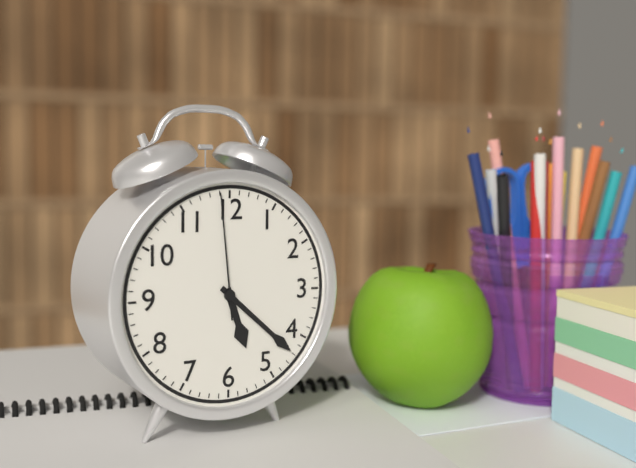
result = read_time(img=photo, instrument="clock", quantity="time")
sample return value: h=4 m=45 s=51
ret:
h=5 m=22 s=59
